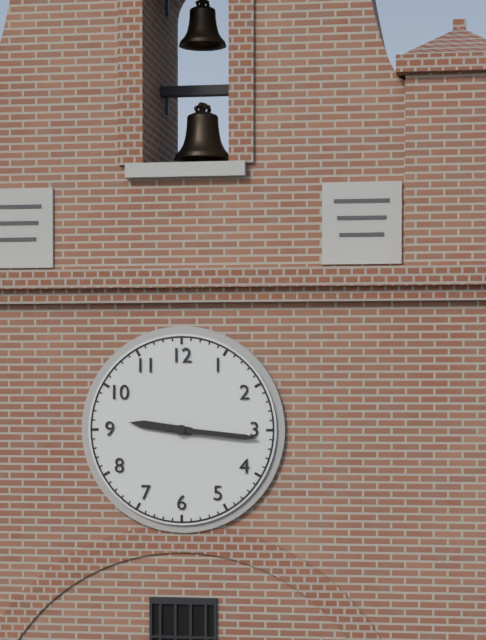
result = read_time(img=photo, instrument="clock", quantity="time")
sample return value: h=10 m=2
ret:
h=9 m=16
